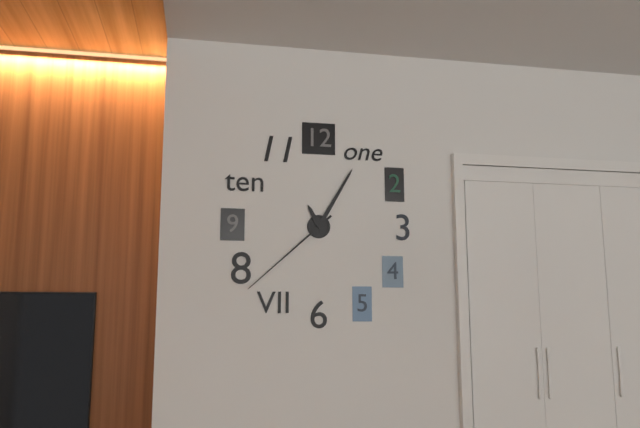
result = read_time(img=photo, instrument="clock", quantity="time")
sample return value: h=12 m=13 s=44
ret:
h=11 m=5 s=38
